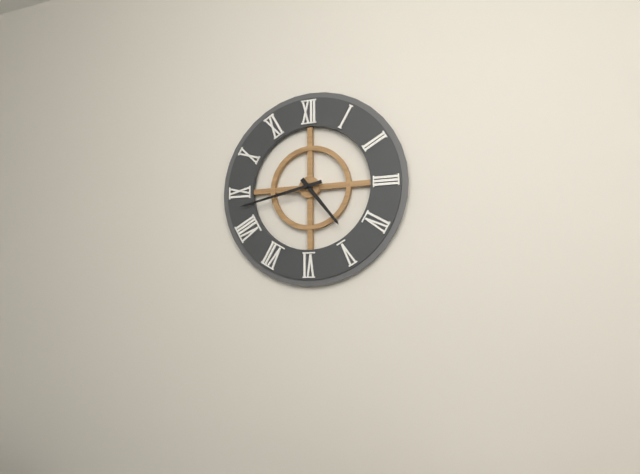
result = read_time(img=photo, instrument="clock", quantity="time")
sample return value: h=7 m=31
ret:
h=4 m=43
